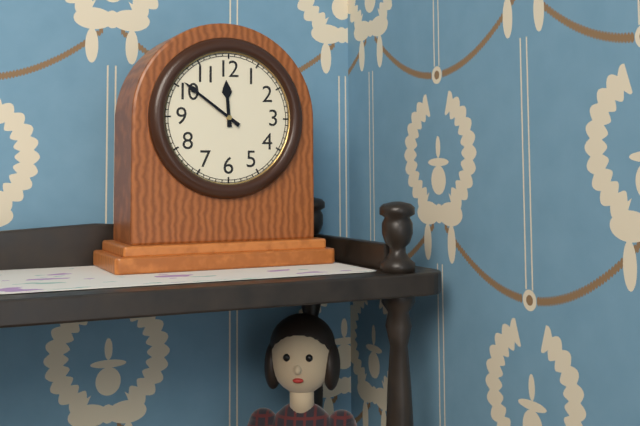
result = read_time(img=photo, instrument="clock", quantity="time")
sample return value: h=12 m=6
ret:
h=11 m=51
